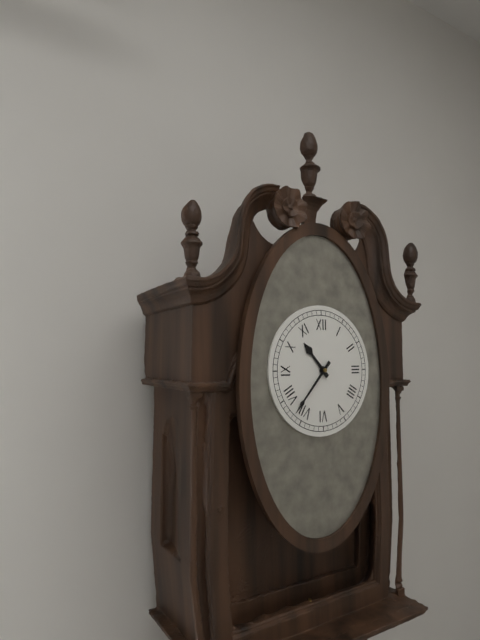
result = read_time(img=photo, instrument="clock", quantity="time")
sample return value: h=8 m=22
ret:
h=10 m=37
